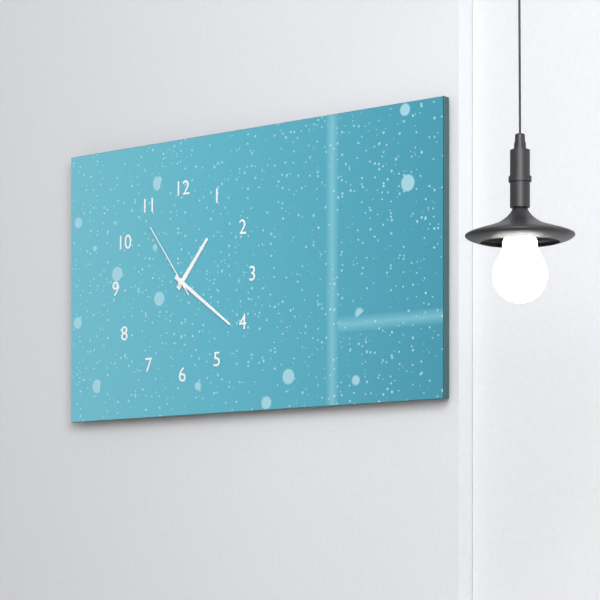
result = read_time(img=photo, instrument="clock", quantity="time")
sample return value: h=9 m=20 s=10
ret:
h=1 m=21 s=54
